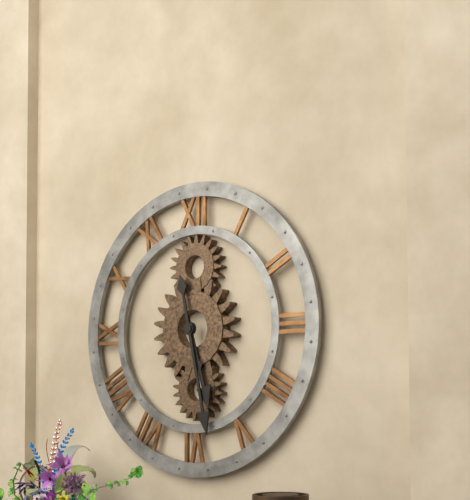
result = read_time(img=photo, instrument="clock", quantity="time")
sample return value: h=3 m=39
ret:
h=5 m=28
